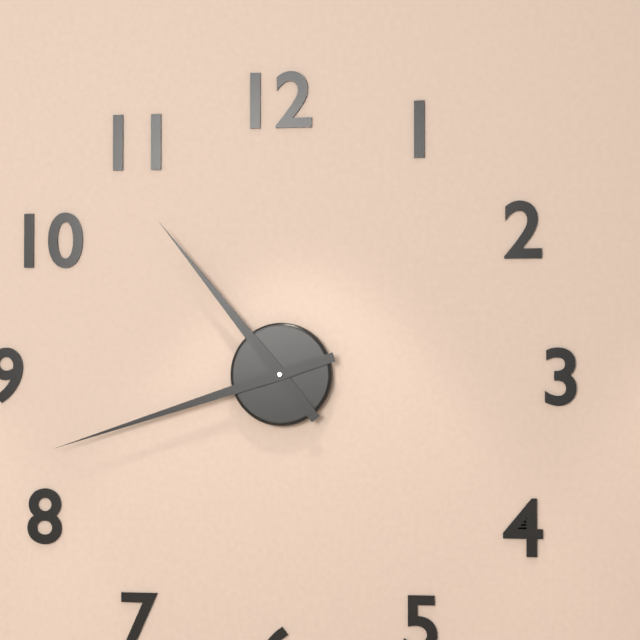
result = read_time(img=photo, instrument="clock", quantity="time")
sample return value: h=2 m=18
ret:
h=10 m=42
